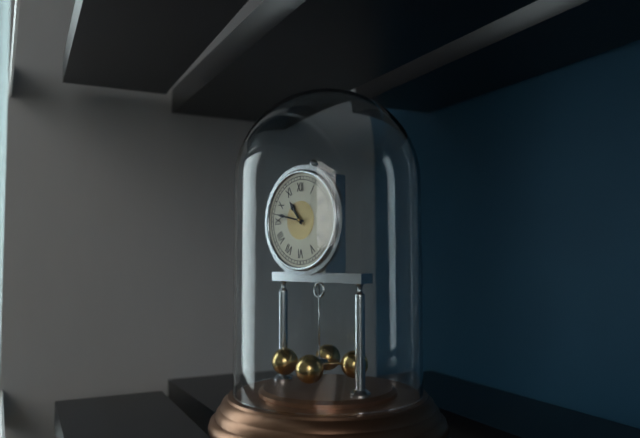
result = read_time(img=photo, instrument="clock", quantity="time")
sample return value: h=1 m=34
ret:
h=10 m=47
